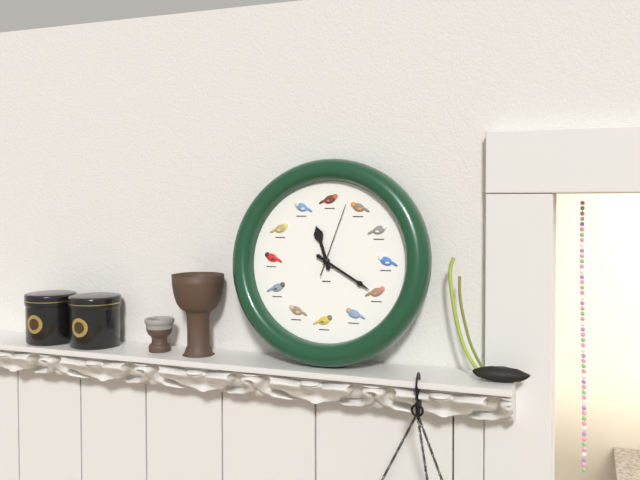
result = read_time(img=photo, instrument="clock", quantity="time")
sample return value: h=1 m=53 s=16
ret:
h=11 m=20 s=3
